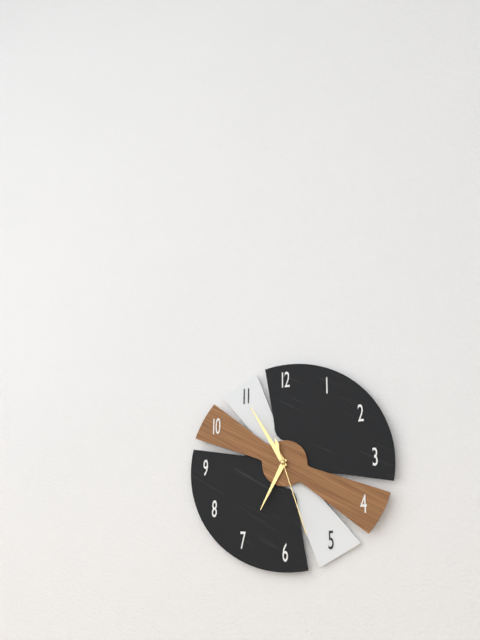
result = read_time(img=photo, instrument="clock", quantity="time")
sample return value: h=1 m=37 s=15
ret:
h=6 m=55 s=27
